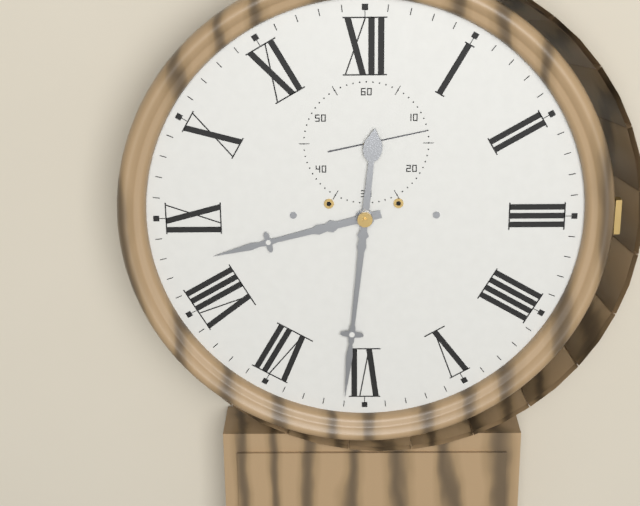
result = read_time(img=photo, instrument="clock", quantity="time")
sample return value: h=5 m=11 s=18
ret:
h=8 m=31 s=13
